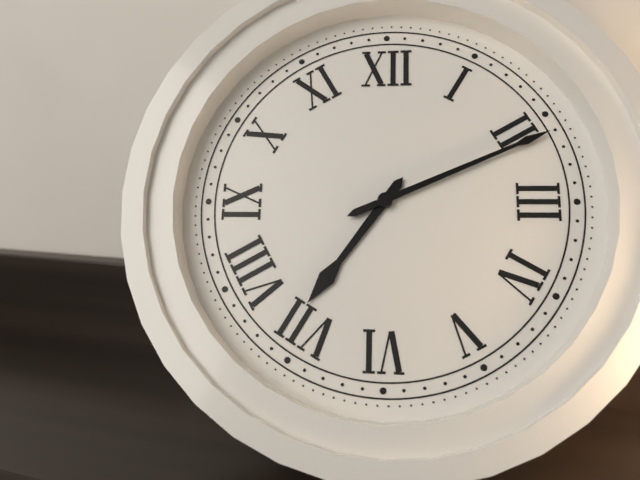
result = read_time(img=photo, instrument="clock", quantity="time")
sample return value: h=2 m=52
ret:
h=7 m=11
